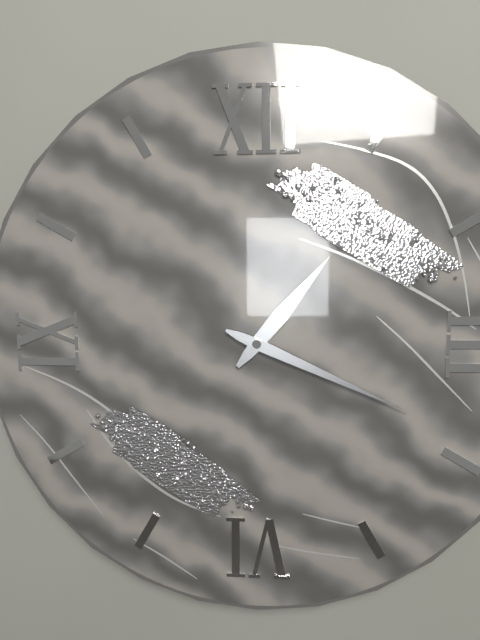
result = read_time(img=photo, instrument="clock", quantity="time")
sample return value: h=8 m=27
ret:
h=1 m=19
